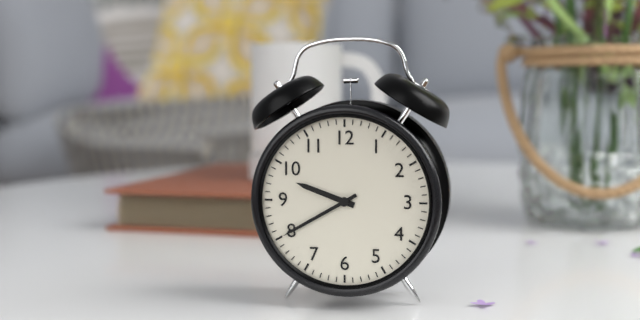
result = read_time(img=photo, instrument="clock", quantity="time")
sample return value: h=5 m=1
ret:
h=9 m=40
